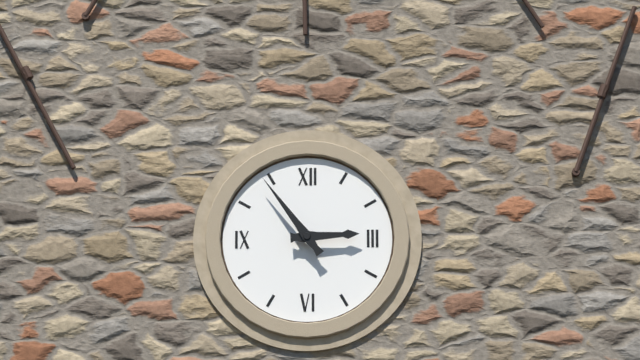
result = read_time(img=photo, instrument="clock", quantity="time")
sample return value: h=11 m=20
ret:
h=2 m=54
